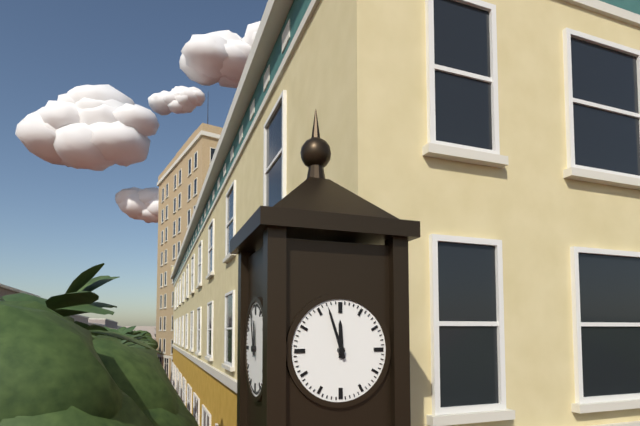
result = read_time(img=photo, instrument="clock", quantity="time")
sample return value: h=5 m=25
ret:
h=11 m=57
